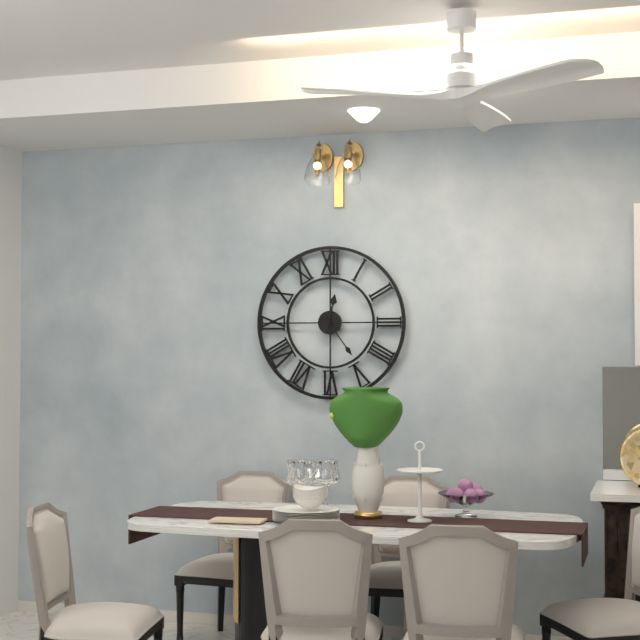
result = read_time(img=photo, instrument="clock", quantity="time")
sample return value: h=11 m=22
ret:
h=12 m=24
